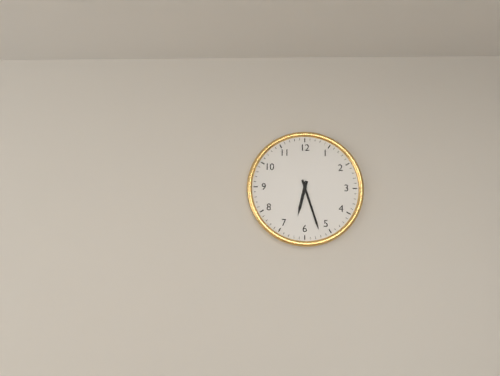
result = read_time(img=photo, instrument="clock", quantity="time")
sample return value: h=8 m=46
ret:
h=6 m=27
